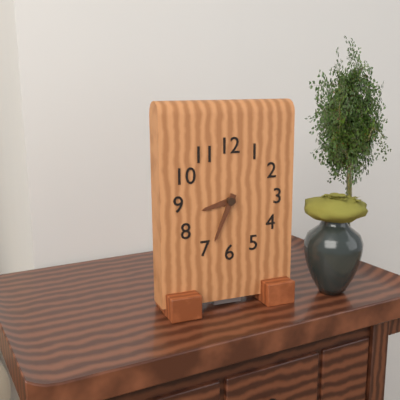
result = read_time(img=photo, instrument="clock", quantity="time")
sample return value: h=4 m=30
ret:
h=8 m=34
